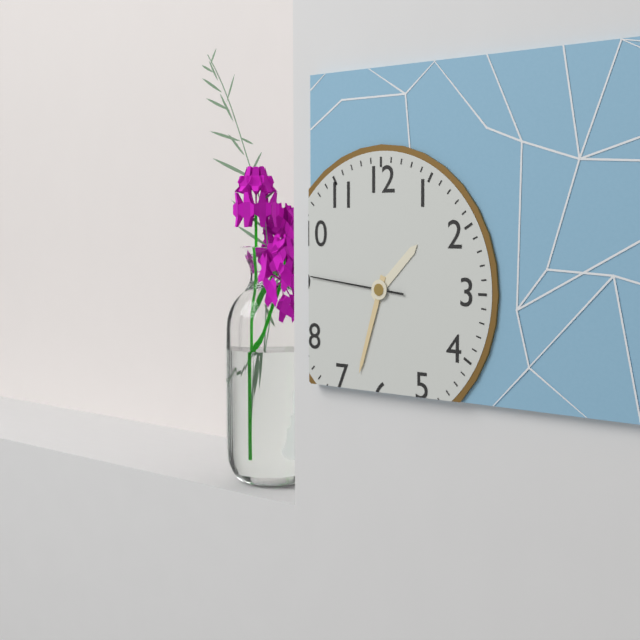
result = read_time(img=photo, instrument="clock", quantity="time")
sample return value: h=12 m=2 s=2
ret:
h=1 m=33 s=46
